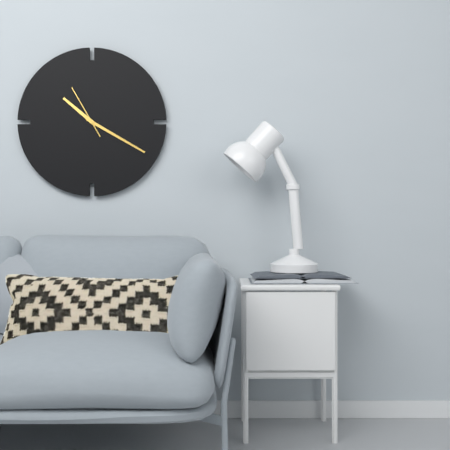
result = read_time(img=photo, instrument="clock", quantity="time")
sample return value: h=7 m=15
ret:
h=10 m=20
